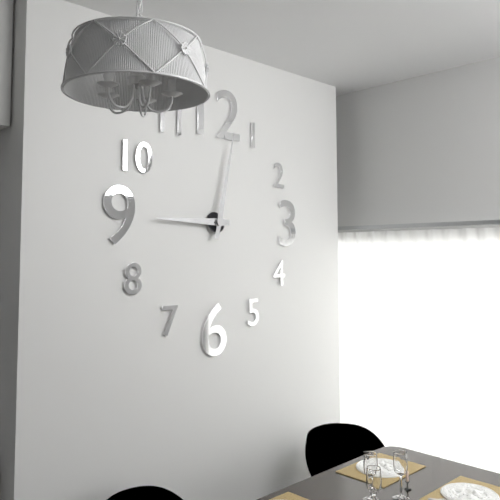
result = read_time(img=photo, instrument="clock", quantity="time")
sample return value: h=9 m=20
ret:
h=9 m=2
